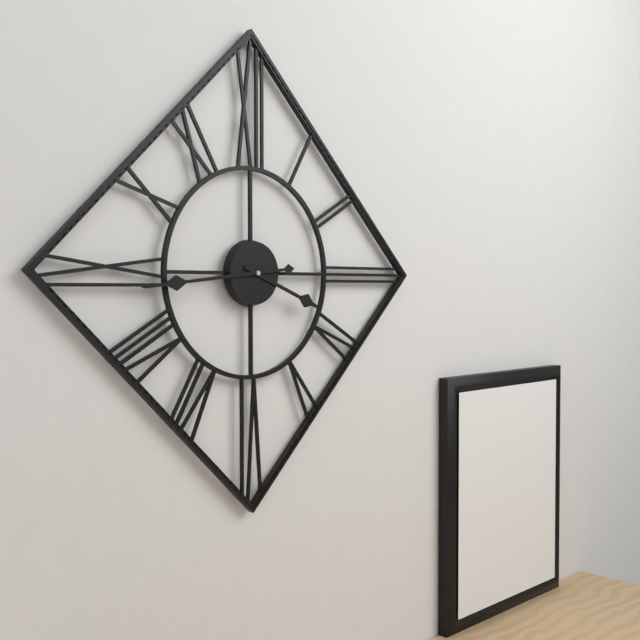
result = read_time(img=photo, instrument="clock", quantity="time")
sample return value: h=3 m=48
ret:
h=3 m=44
